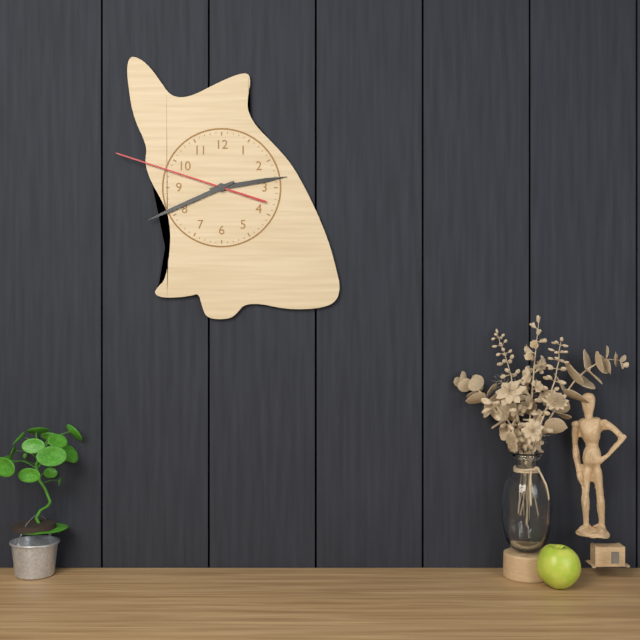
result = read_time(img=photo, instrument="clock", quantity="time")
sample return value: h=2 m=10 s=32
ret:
h=2 m=41 s=48
